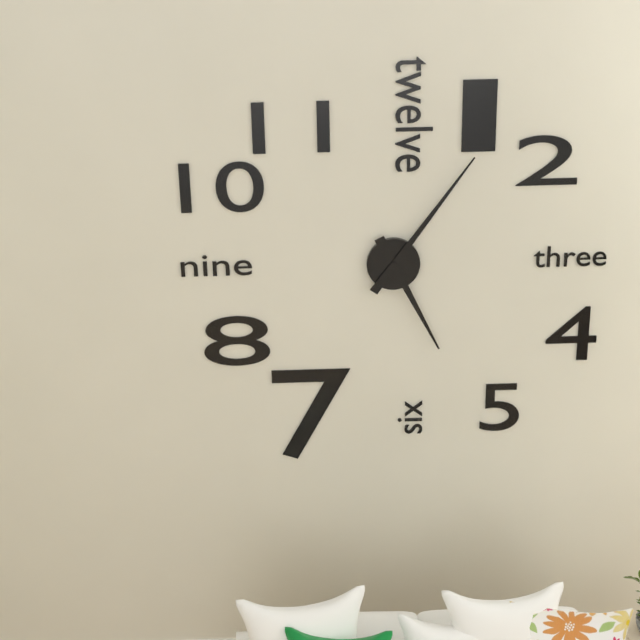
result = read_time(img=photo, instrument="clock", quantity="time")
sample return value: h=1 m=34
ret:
h=5 m=6
